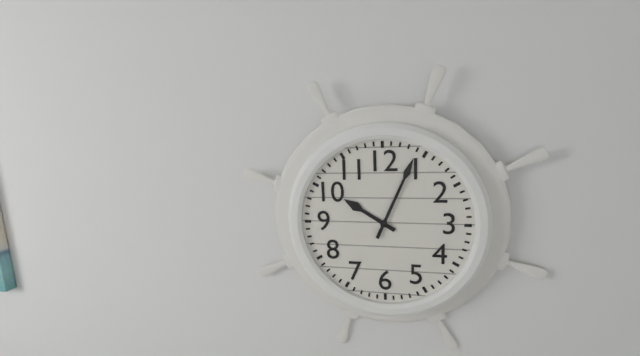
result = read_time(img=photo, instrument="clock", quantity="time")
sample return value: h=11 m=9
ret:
h=10 m=4
